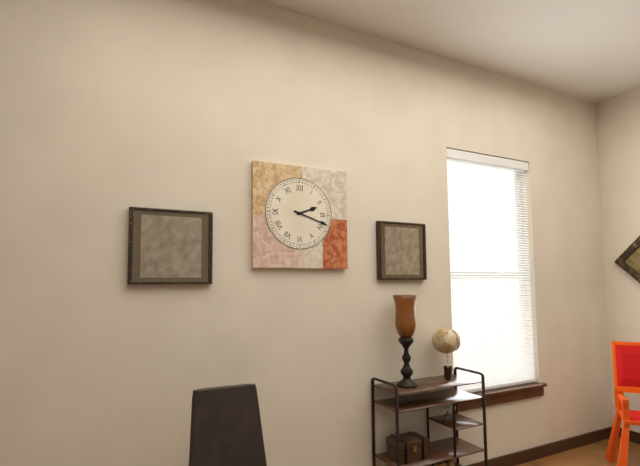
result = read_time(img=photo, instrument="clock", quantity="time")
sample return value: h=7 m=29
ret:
h=2 m=18
